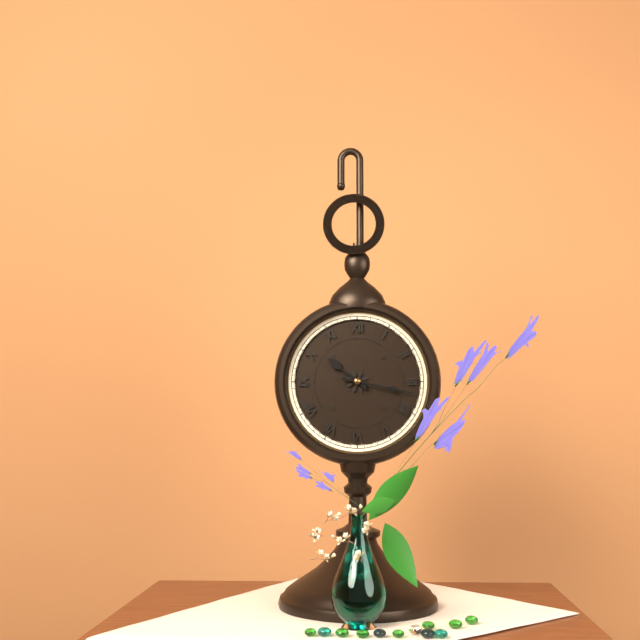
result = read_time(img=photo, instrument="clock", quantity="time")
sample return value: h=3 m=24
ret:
h=10 m=17
